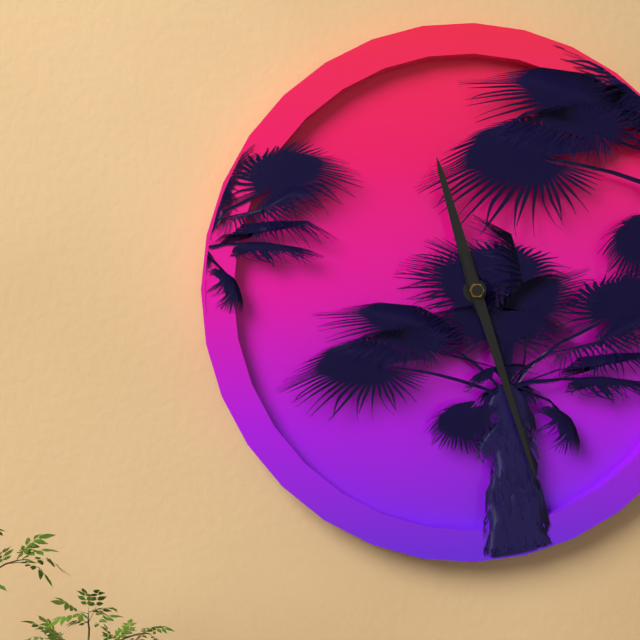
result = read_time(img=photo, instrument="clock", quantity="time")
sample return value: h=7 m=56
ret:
h=11 m=27
